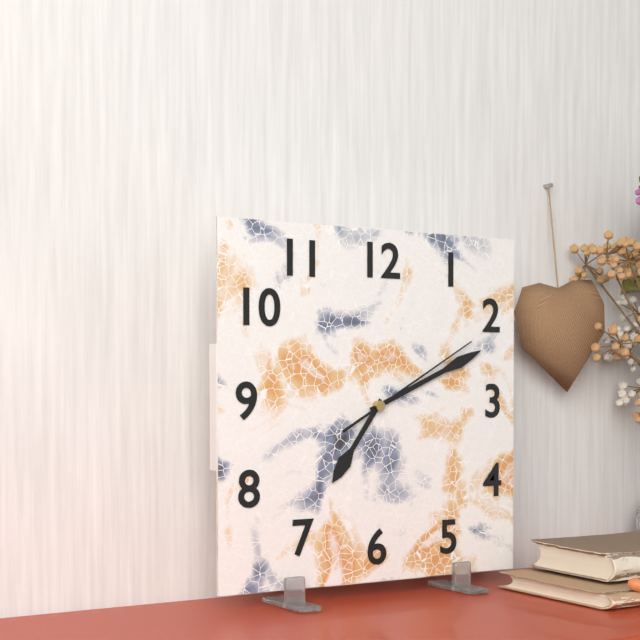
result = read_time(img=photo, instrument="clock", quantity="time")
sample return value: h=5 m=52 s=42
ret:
h=7 m=11 s=10
